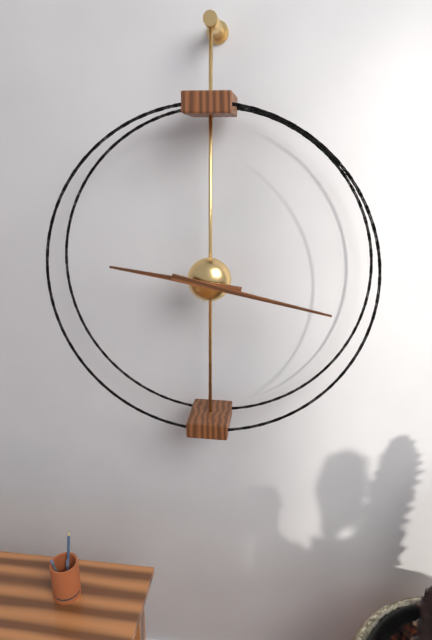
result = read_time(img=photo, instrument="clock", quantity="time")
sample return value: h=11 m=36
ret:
h=9 m=17
